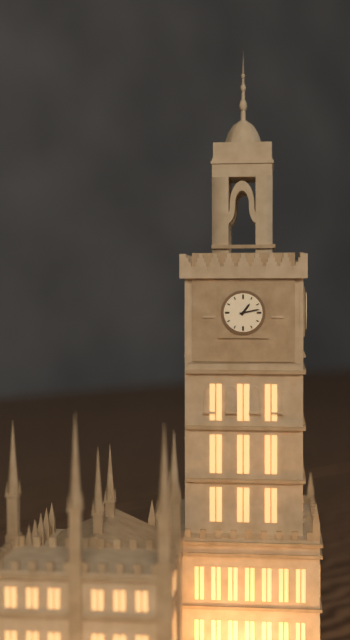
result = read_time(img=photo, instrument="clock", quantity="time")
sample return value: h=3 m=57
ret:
h=1 m=13
